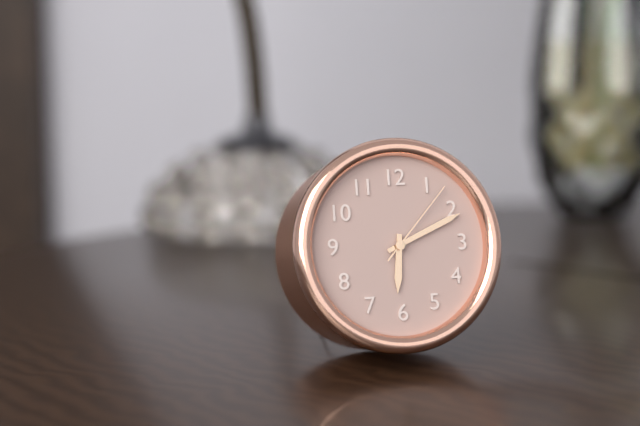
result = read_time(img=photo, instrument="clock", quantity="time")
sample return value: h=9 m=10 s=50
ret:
h=6 m=11 s=7
